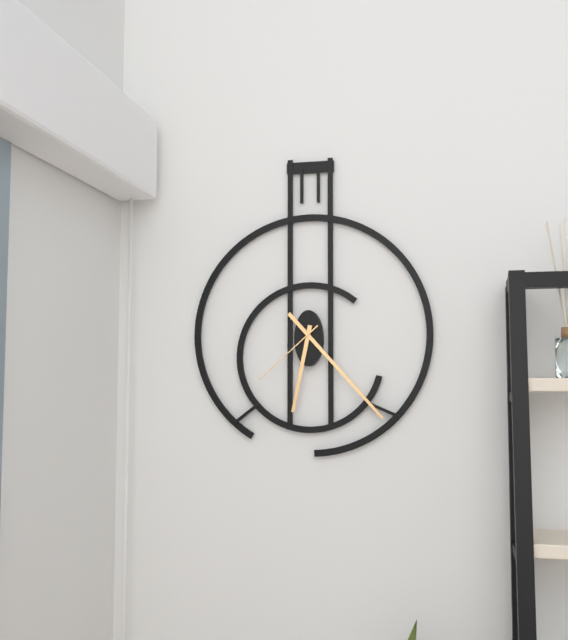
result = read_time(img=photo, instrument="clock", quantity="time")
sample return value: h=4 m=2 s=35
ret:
h=6 m=23 s=38
